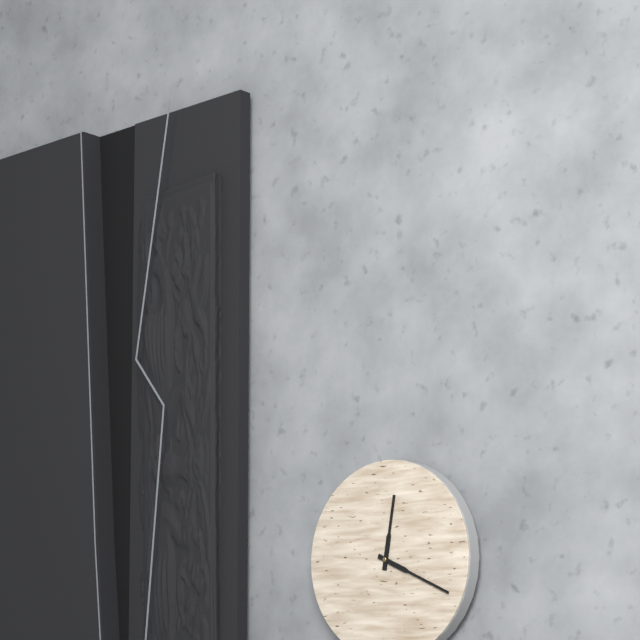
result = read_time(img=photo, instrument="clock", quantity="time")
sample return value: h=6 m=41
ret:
h=12 m=19
